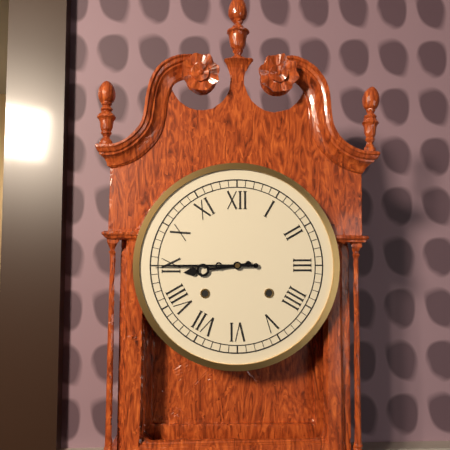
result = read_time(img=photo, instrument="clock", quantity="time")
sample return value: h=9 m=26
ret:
h=8 m=45
